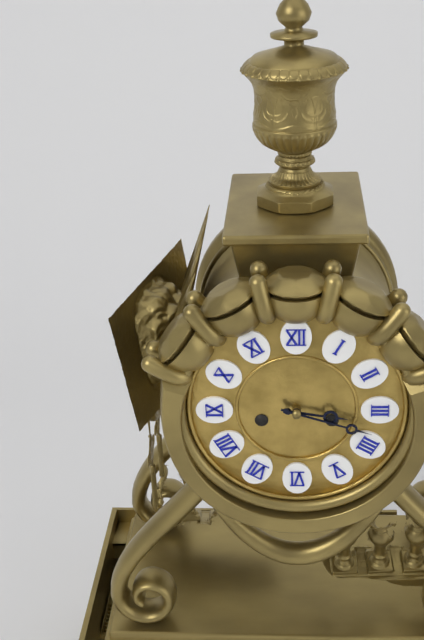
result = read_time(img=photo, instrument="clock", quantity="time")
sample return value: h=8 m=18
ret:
h=3 m=18
